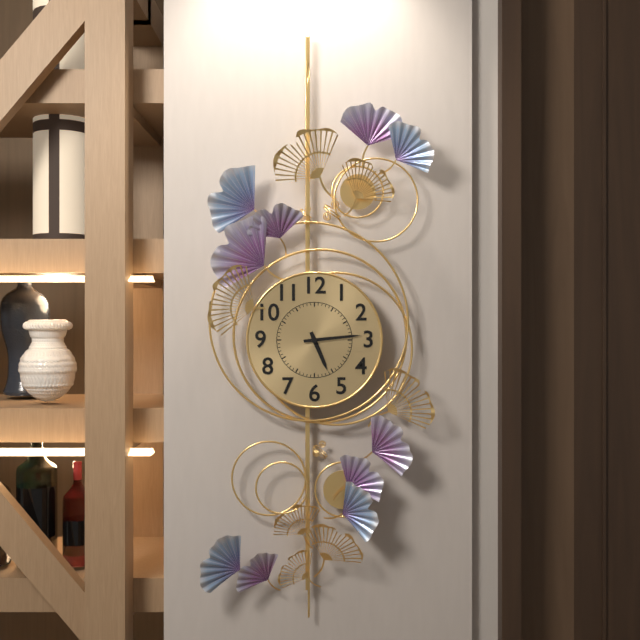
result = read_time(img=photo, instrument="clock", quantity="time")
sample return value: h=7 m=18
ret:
h=5 m=14
